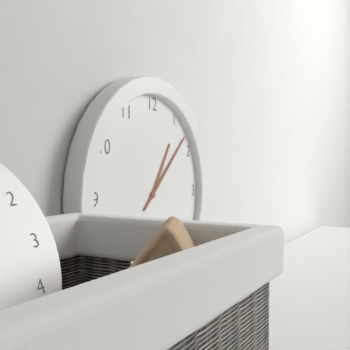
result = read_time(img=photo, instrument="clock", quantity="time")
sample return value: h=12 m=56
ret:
h=1 m=8
